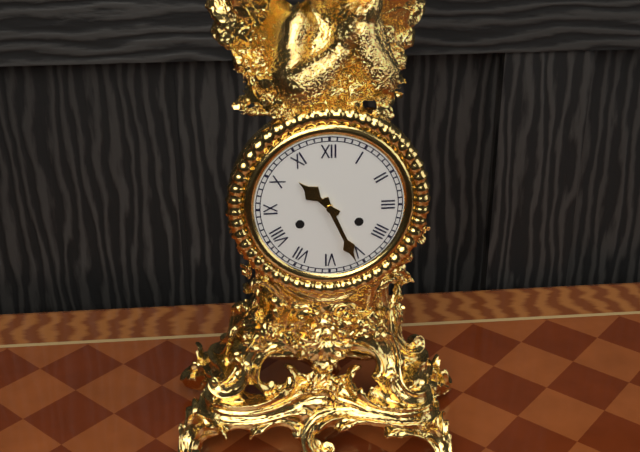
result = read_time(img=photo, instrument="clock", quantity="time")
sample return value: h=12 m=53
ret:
h=10 m=26
